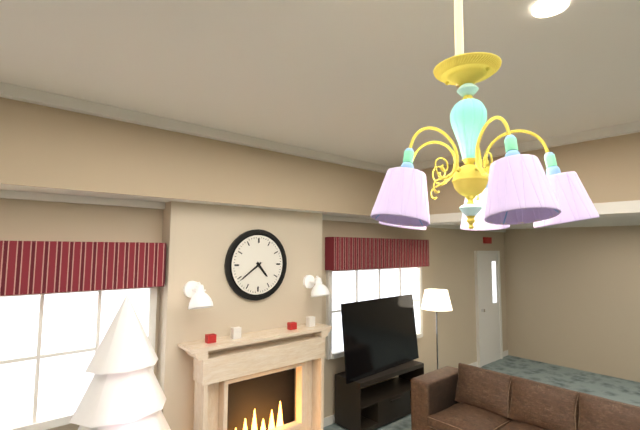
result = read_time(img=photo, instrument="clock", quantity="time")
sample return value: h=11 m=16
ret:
h=4 m=39
